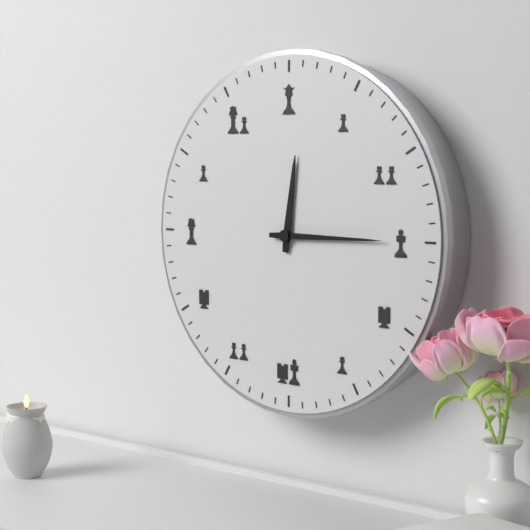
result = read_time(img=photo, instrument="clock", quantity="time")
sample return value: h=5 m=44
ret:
h=12 m=15
